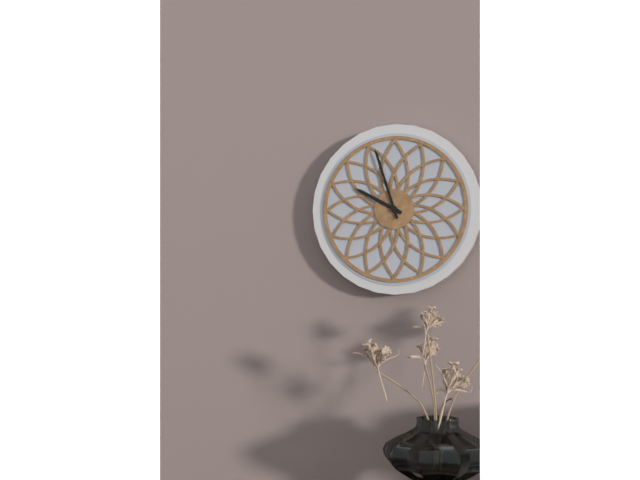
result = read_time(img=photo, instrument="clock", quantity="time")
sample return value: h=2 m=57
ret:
h=9 m=57
